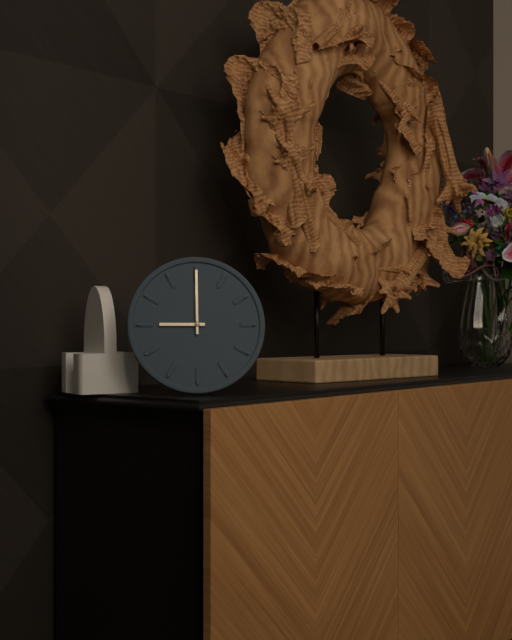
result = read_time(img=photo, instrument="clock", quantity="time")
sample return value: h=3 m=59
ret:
h=9 m=0
